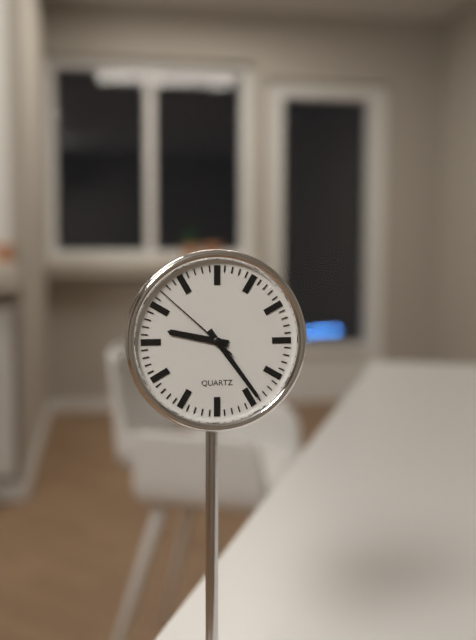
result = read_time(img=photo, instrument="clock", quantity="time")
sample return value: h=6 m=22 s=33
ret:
h=9 m=24 s=52
